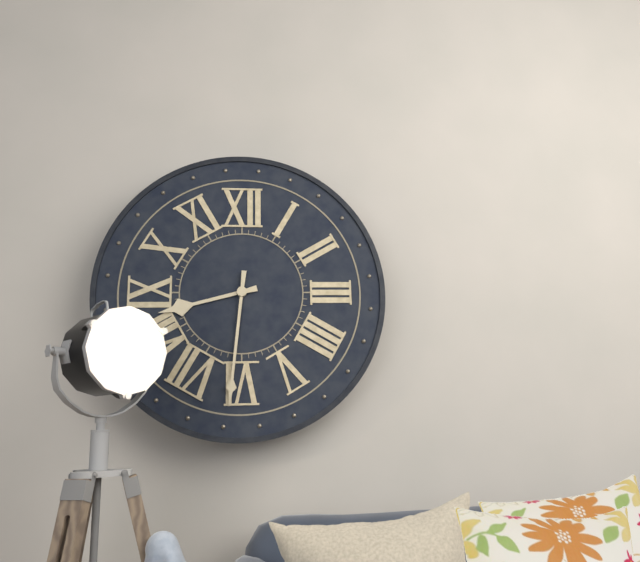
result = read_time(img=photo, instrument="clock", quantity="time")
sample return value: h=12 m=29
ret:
h=8 m=31
